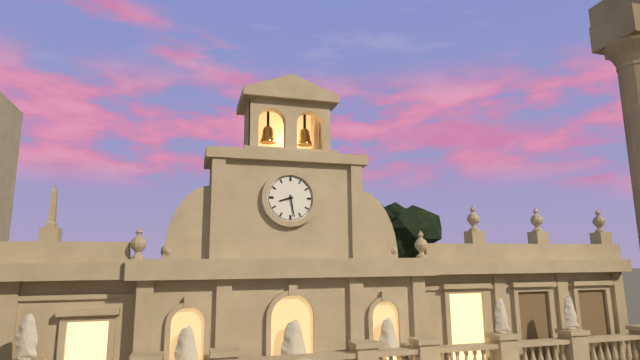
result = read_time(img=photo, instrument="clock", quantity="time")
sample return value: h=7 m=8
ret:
h=8 m=28
